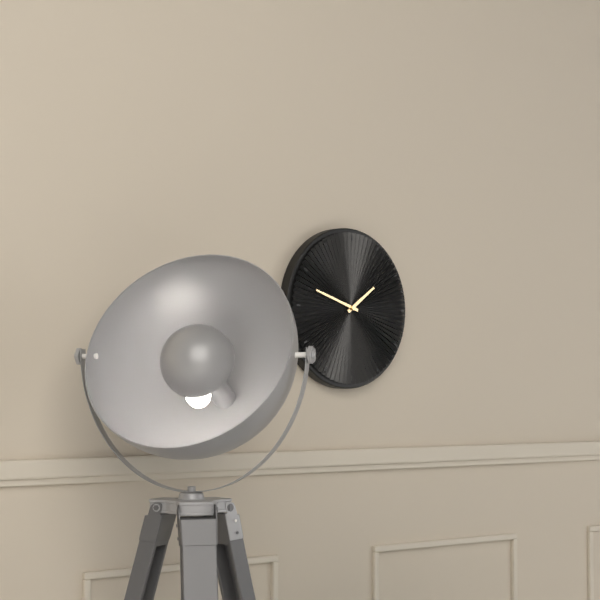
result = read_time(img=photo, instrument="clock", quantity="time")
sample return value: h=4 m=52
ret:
h=1 m=48
